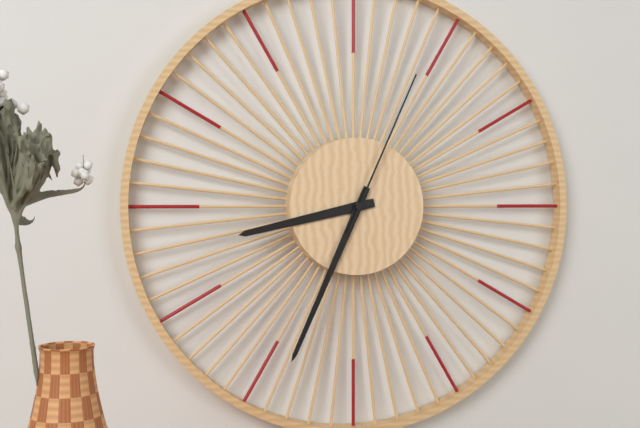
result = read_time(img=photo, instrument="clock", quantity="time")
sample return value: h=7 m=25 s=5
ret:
h=8 m=34 s=4
